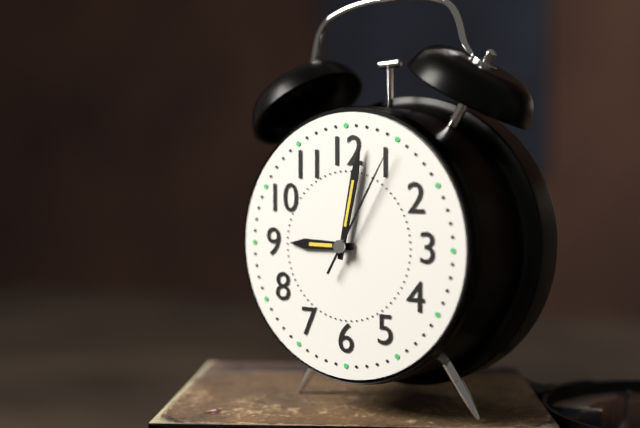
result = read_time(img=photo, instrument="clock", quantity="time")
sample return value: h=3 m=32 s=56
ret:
h=9 m=2 s=5
